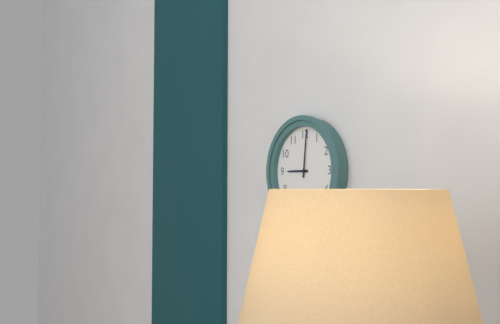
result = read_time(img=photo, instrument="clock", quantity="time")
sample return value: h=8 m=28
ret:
h=9 m=1
